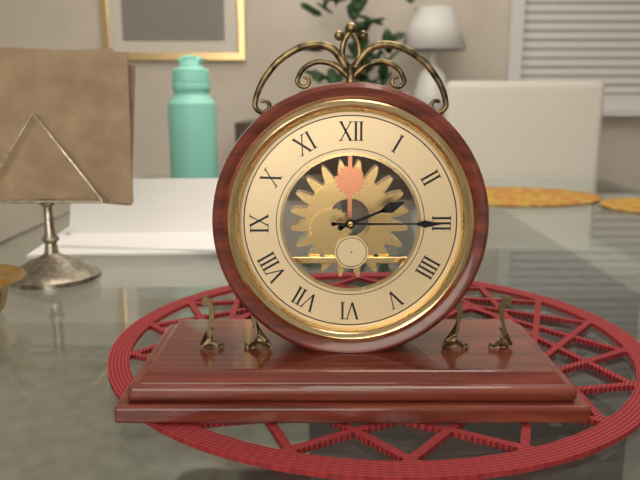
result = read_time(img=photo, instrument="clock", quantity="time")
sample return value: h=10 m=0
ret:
h=2 m=15
